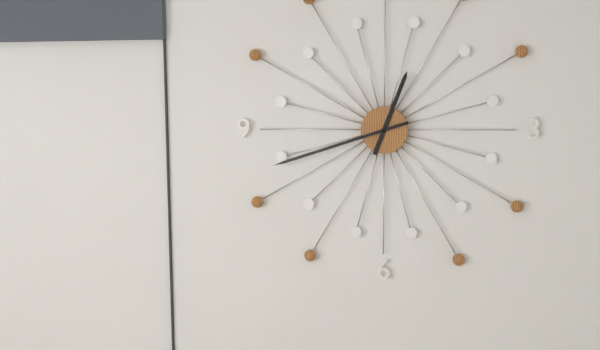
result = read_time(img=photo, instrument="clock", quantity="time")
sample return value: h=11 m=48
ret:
h=12 m=42
